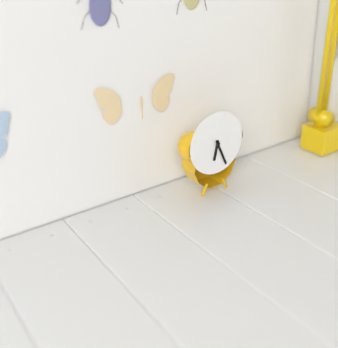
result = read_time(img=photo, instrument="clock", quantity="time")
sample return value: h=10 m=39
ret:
h=6 m=26
